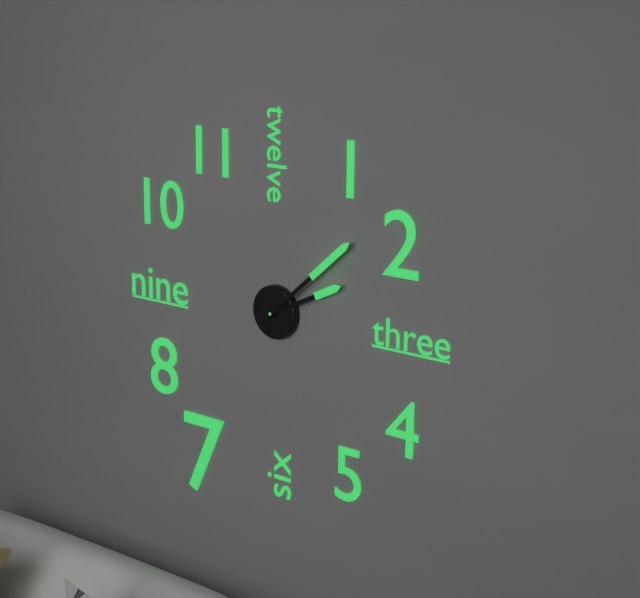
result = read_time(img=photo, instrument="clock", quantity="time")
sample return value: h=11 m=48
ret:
h=2 m=8
